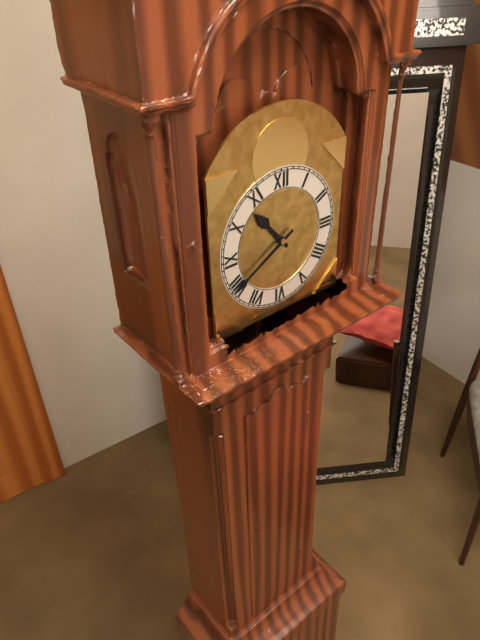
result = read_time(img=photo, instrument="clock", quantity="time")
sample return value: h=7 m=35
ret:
h=10 m=40
